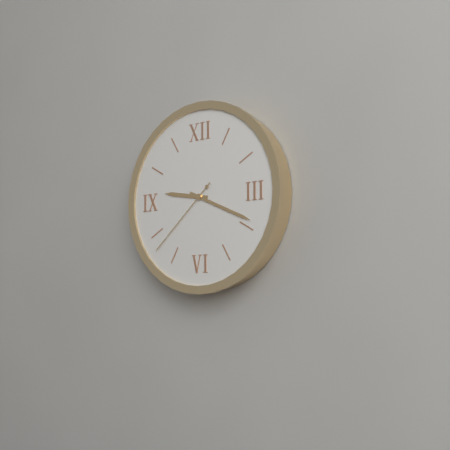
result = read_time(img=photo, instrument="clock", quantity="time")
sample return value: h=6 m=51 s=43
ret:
h=9 m=19 s=38
